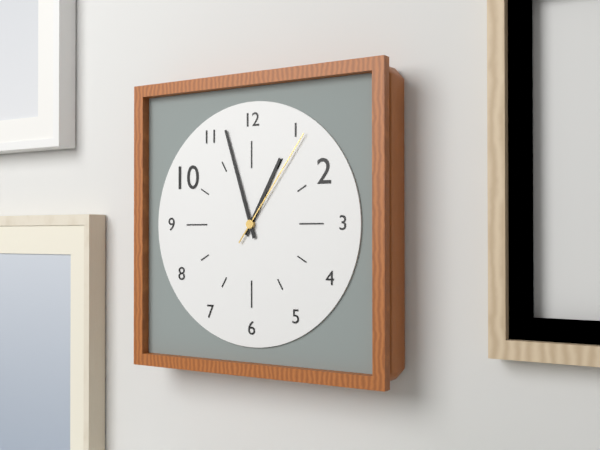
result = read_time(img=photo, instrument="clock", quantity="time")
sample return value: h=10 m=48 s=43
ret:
h=12 m=57 s=6
